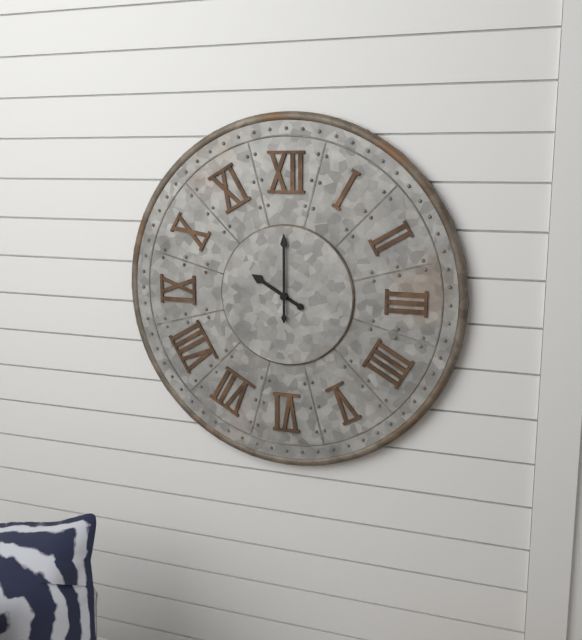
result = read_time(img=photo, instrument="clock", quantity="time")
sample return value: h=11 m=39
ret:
h=10 m=0
